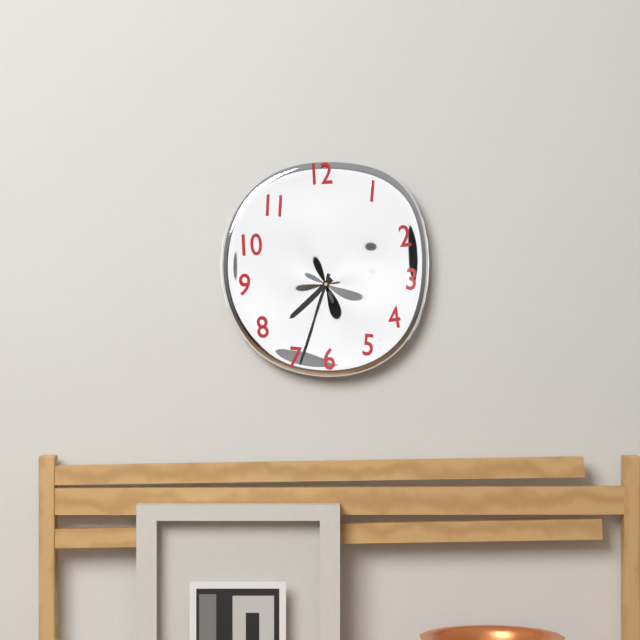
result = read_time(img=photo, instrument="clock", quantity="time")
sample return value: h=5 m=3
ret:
h=7 m=33
